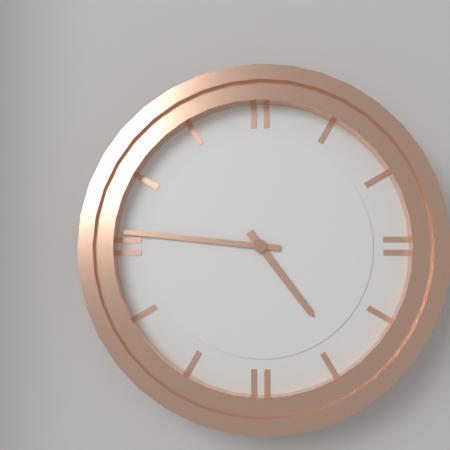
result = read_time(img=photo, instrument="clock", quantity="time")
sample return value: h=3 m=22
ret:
h=4 m=46
